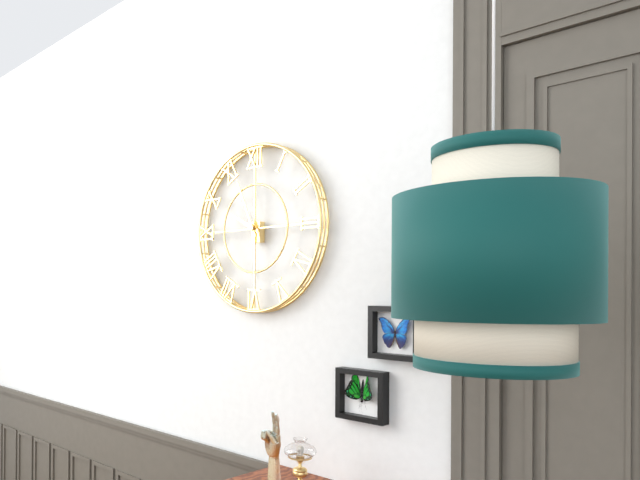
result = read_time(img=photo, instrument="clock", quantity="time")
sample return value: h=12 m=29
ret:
h=9 m=56
